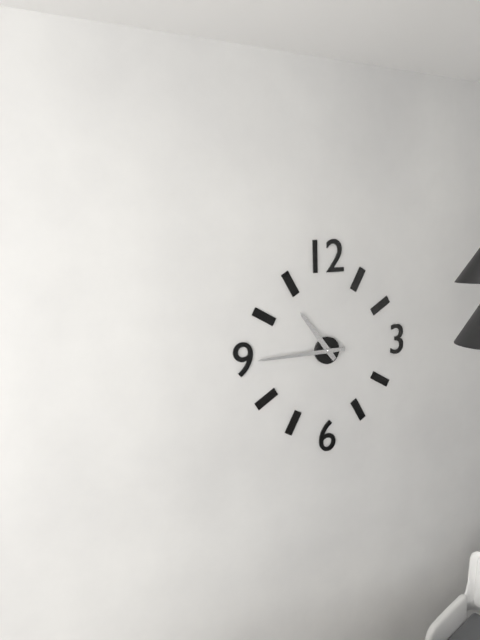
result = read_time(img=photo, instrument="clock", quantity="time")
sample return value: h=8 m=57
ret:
h=10 m=45
